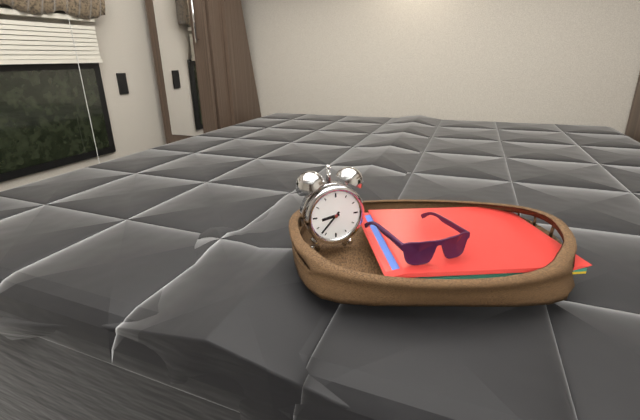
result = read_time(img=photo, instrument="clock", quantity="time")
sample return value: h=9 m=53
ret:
h=8 m=37
